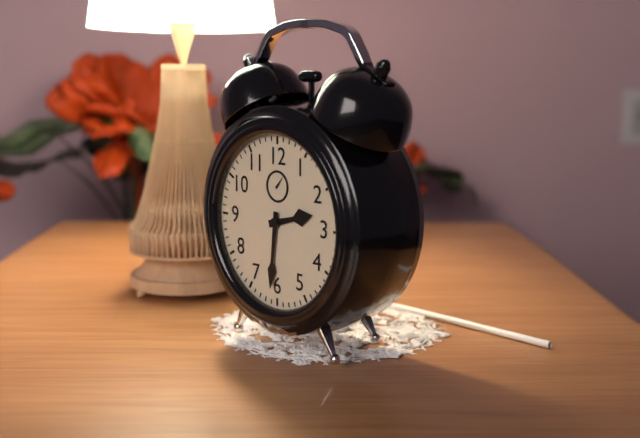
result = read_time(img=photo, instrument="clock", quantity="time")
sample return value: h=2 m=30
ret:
h=2 m=31
